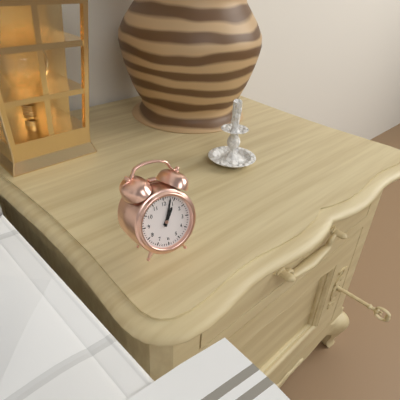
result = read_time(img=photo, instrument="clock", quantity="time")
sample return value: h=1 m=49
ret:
h=1 m=3
